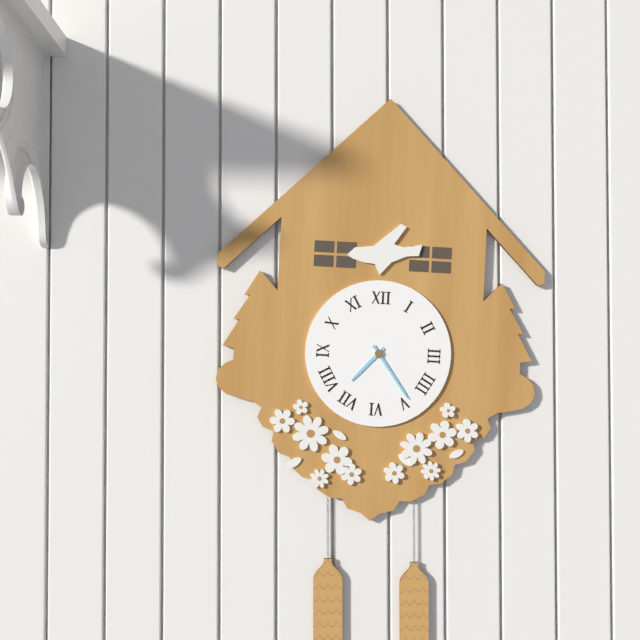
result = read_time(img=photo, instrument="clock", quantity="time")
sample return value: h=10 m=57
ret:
h=7 m=24
